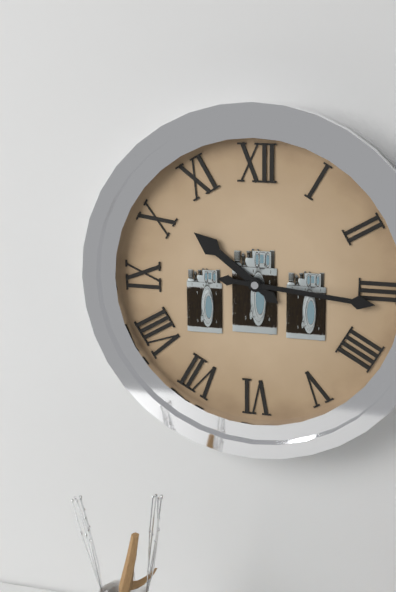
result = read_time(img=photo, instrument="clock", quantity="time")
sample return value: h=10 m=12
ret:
h=10 m=16
